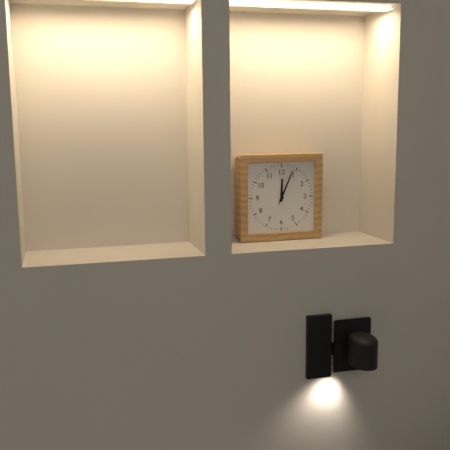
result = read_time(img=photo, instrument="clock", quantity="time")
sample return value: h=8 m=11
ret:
h=12 m=4
